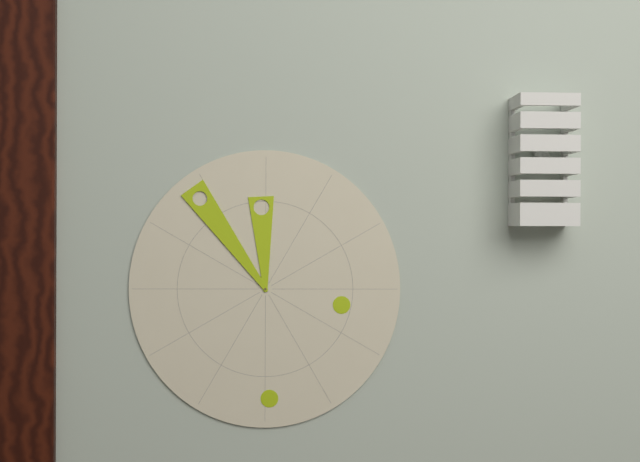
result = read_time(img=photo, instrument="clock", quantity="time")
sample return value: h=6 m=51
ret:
h=11 m=54
